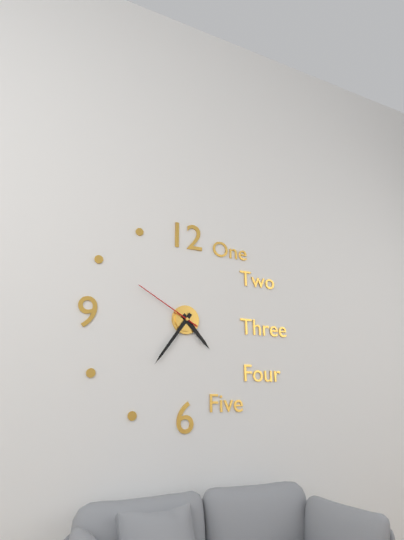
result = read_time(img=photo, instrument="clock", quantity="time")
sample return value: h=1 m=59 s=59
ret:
h=4 m=36 s=50
